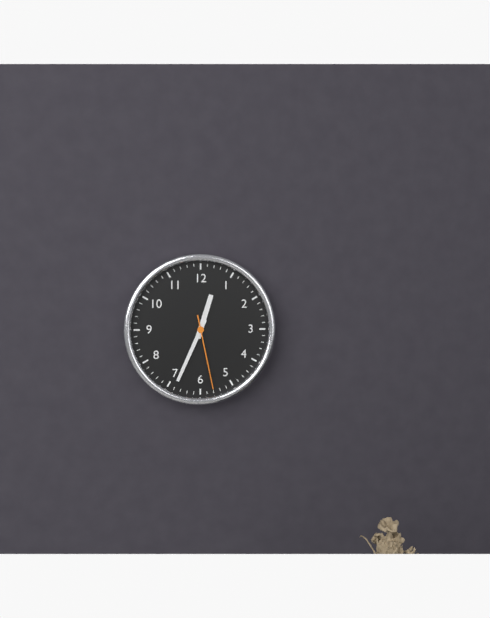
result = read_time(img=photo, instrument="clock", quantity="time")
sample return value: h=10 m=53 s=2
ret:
h=12 m=34 s=28
